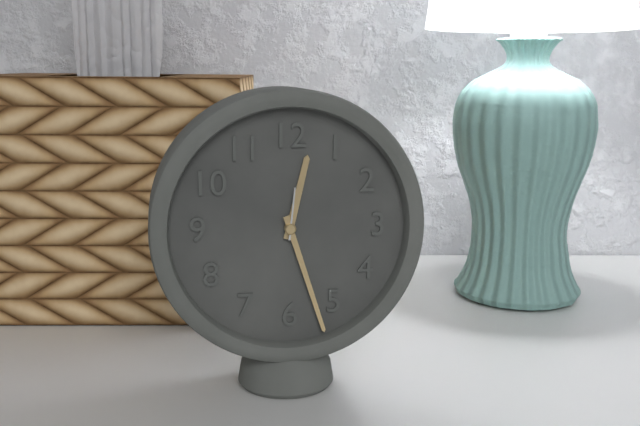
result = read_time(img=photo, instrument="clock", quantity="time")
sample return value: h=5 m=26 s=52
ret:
h=12 m=27 s=1
